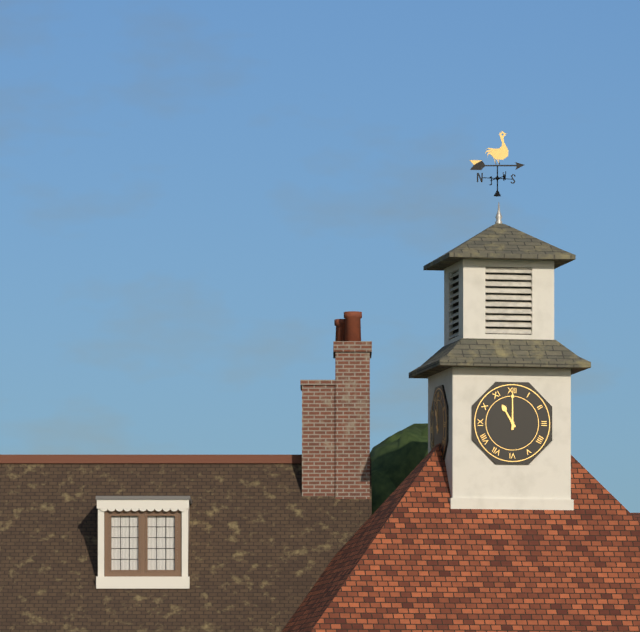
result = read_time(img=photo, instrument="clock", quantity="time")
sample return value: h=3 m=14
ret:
h=11 m=0
